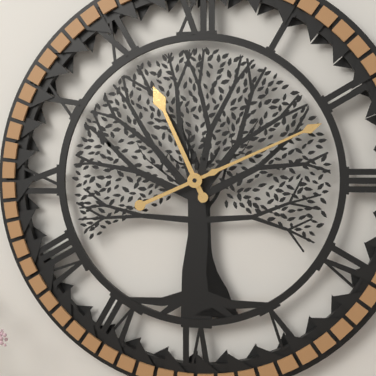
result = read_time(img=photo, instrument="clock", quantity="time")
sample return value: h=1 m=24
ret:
h=11 m=11
